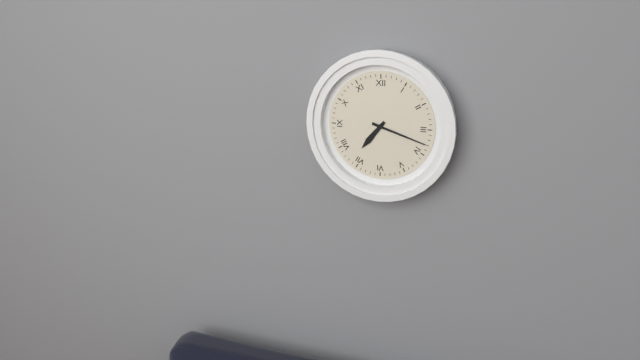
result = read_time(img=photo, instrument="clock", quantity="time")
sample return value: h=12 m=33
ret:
h=7 m=18
